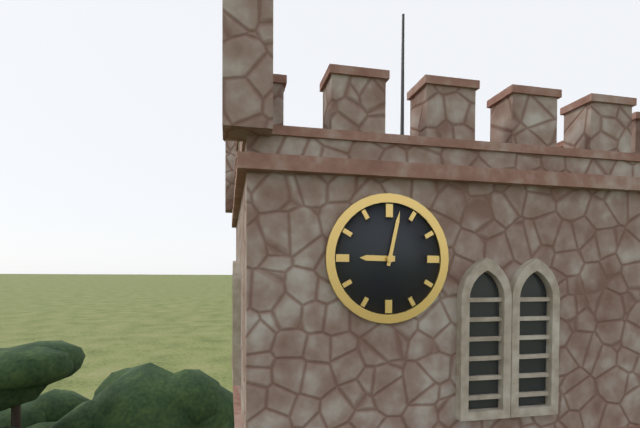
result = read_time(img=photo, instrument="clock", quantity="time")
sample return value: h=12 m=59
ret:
h=9 m=2
